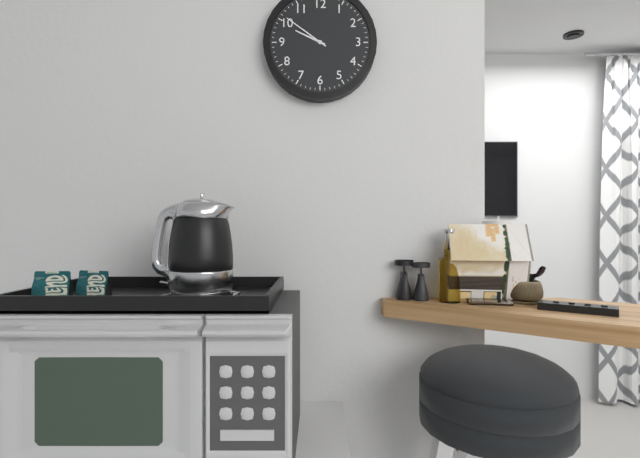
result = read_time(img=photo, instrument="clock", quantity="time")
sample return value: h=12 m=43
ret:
h=9 m=51
